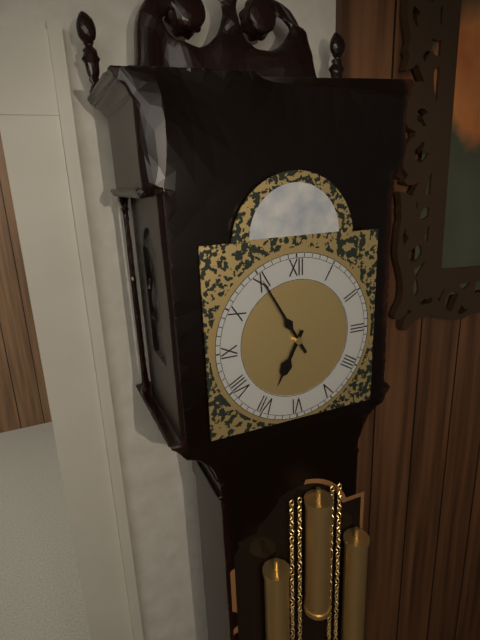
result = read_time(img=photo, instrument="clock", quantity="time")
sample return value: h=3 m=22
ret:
h=6 m=55
